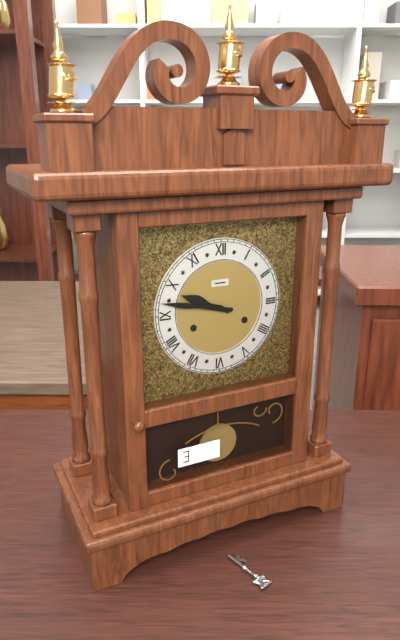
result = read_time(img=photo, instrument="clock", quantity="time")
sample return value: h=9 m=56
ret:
h=9 m=47
